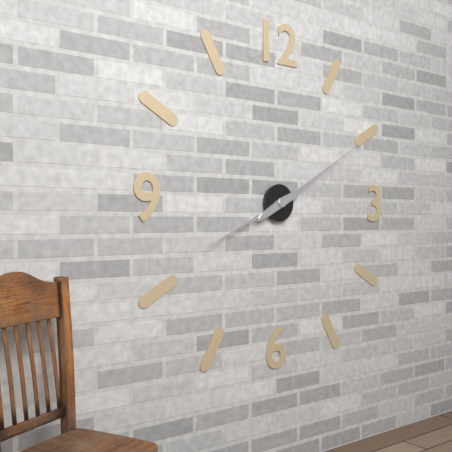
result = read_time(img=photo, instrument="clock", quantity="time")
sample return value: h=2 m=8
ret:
h=8 m=10
